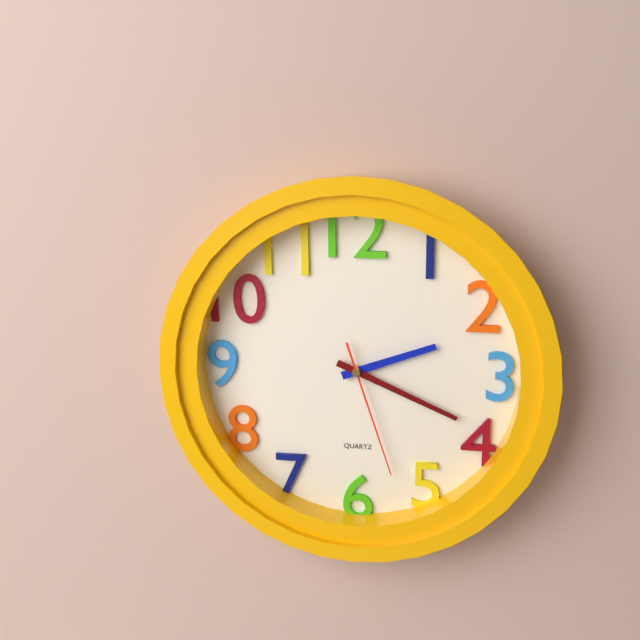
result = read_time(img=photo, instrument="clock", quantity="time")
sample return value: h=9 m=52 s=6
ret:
h=2 m=19 s=27
